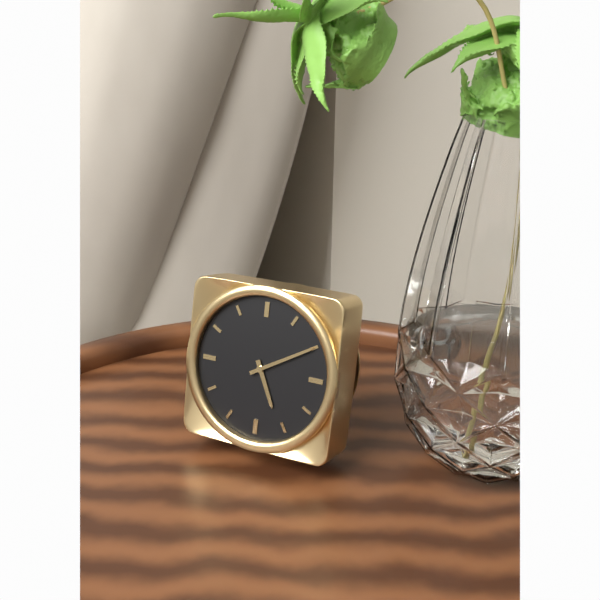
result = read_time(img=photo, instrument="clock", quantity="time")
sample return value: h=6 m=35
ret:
h=5 m=10
